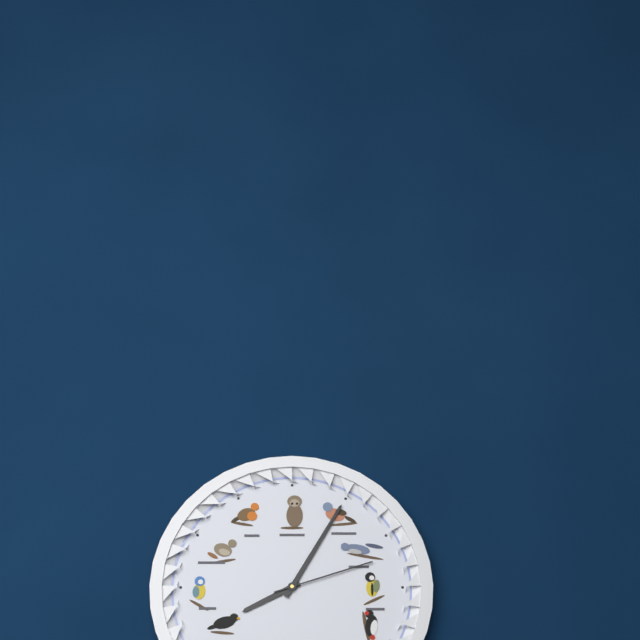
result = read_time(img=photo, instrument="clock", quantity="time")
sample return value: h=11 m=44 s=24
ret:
h=8 m=5 s=12
